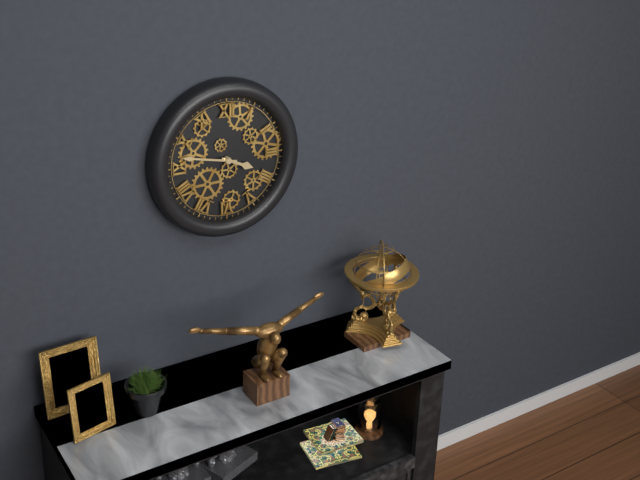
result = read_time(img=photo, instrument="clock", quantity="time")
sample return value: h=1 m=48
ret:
h=3 m=47
